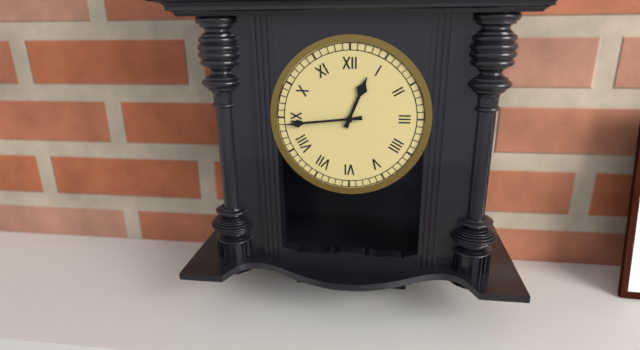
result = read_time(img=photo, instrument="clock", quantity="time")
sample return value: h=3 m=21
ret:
h=12 m=44
